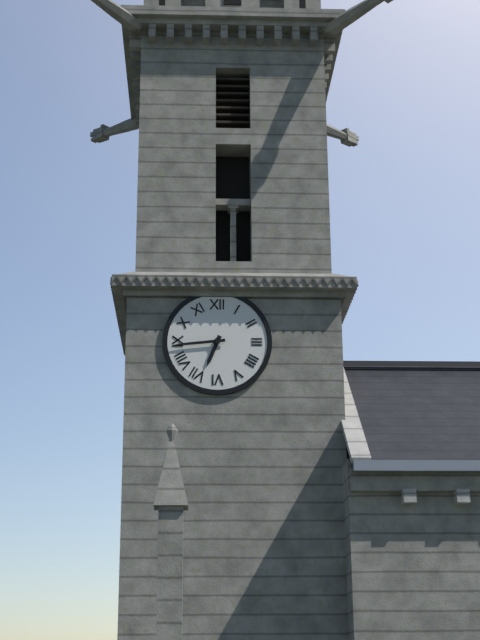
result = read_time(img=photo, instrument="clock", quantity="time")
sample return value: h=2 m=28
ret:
h=6 m=44
